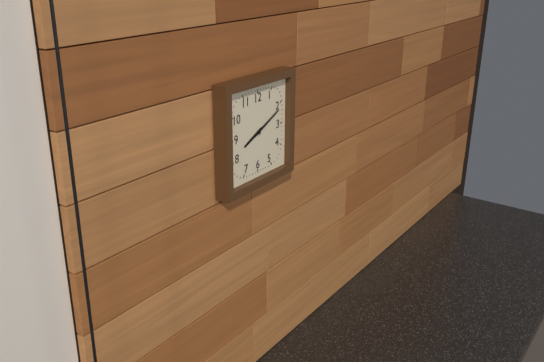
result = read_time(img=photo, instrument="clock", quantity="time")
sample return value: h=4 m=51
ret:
h=8 m=11
